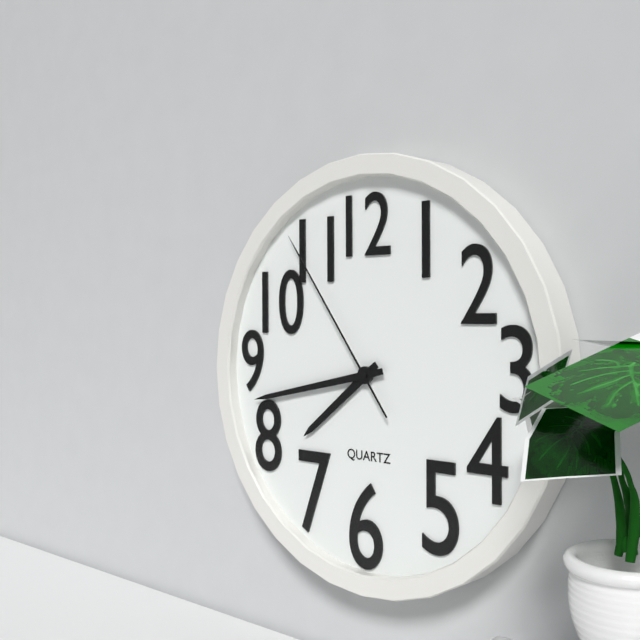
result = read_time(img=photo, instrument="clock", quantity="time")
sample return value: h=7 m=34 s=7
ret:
h=7 m=43 s=54
